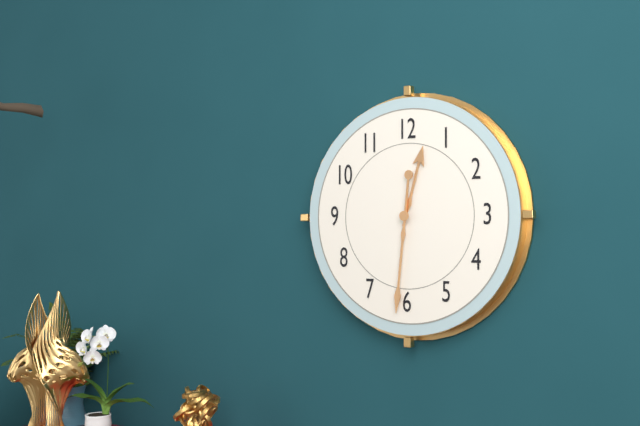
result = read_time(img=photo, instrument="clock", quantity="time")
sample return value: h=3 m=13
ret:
h=12 m=31
